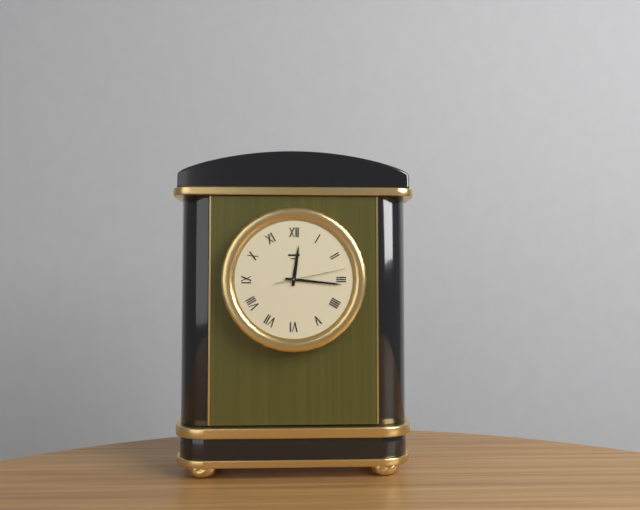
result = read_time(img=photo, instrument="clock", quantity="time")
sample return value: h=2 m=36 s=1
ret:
h=12 m=16 s=13
